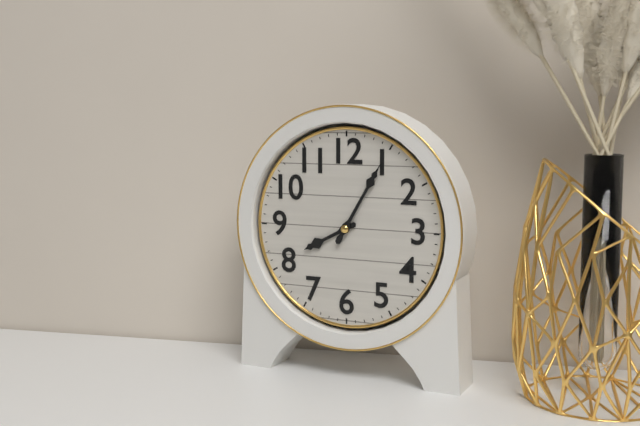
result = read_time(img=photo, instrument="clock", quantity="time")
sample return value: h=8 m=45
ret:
h=8 m=5
